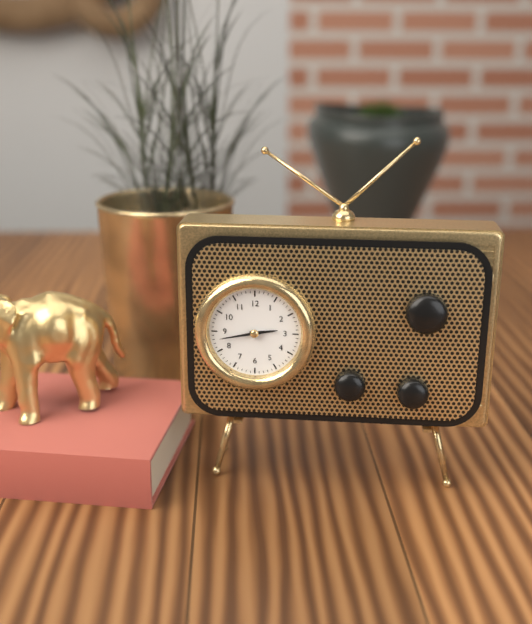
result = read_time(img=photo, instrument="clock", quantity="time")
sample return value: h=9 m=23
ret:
h=2 m=43
